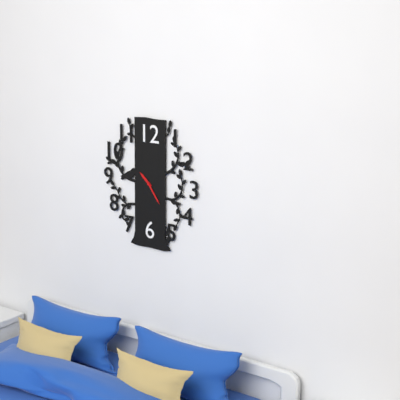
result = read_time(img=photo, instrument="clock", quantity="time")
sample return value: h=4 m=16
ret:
h=10 m=24
